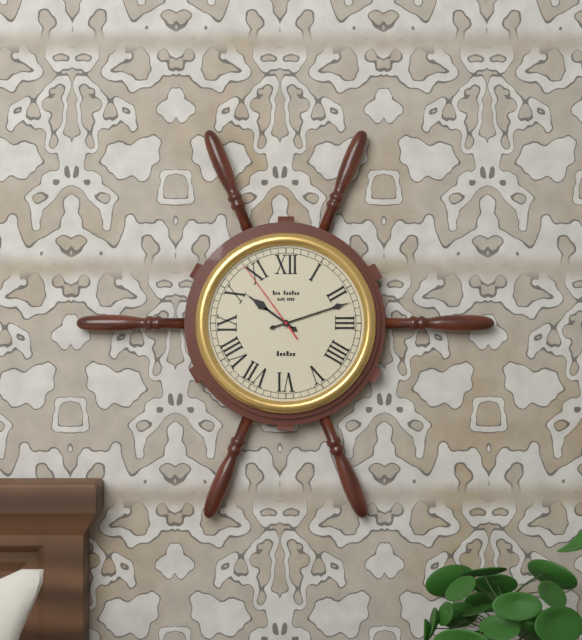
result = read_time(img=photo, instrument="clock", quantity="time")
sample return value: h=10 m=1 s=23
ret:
h=10 m=12 s=54
